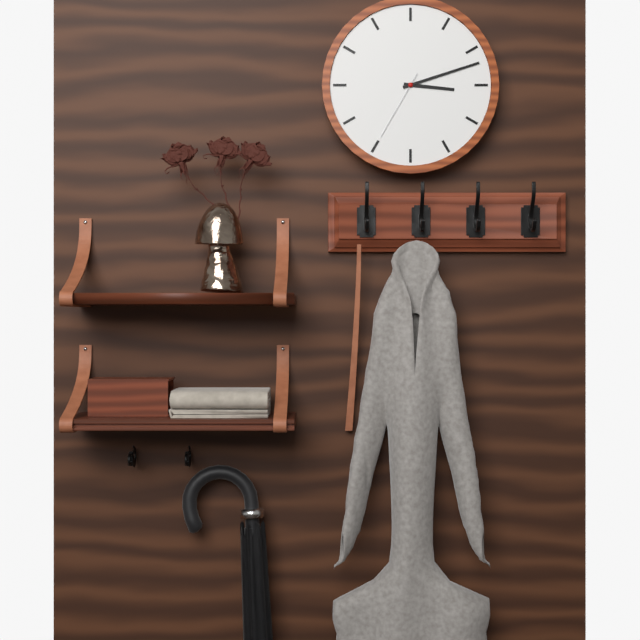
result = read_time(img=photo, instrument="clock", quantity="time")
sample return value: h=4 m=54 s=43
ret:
h=3 m=12 s=35
